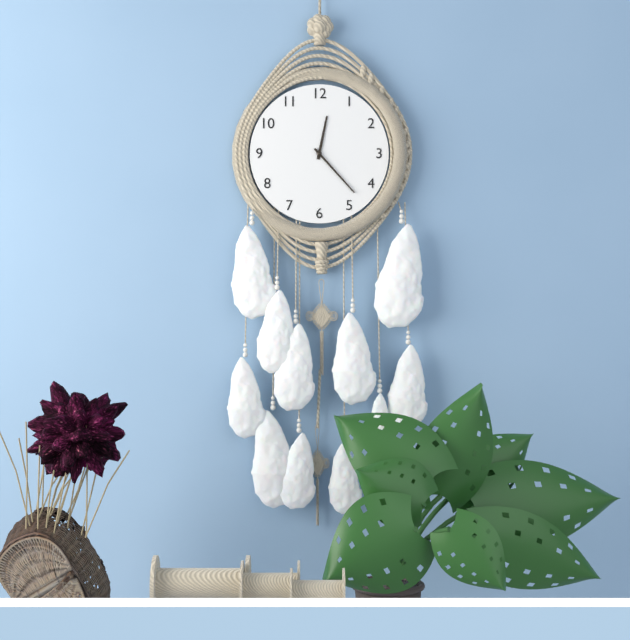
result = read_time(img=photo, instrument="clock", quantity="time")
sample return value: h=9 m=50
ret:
h=12 m=23
